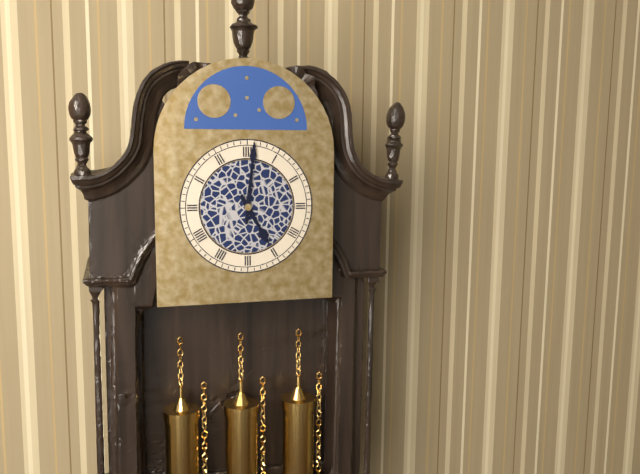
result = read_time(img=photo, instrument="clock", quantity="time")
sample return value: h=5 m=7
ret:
h=5 m=1
